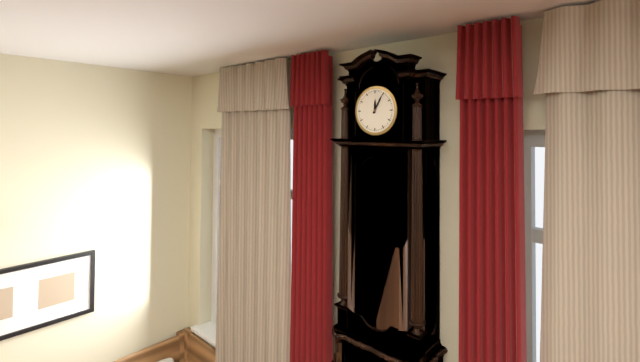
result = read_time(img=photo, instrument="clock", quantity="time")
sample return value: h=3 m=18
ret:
h=12 m=5
